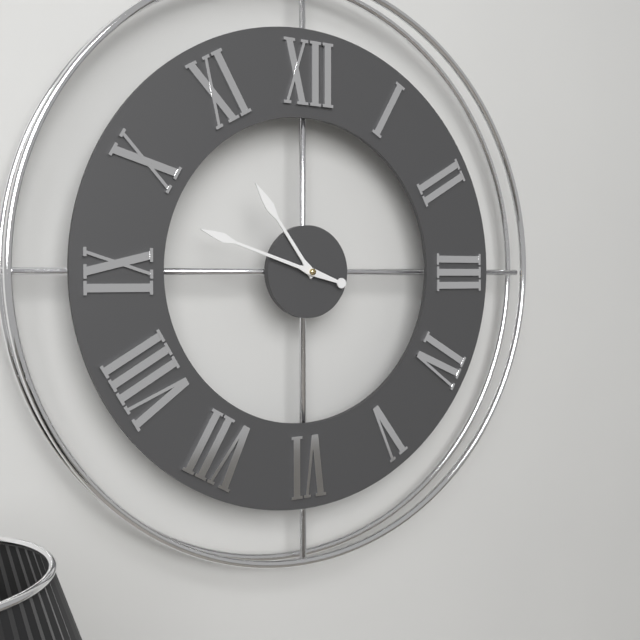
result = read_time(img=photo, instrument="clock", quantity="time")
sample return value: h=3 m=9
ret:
h=10 m=48
